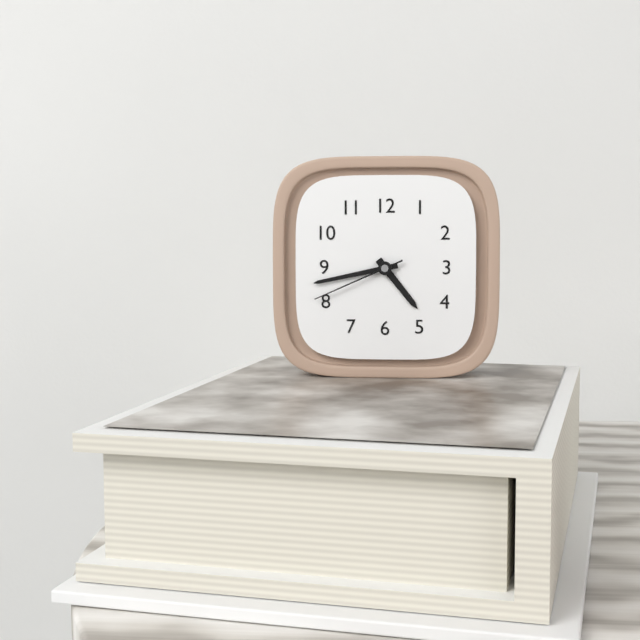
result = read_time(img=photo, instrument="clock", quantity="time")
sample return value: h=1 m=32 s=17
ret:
h=4 m=43 s=41
